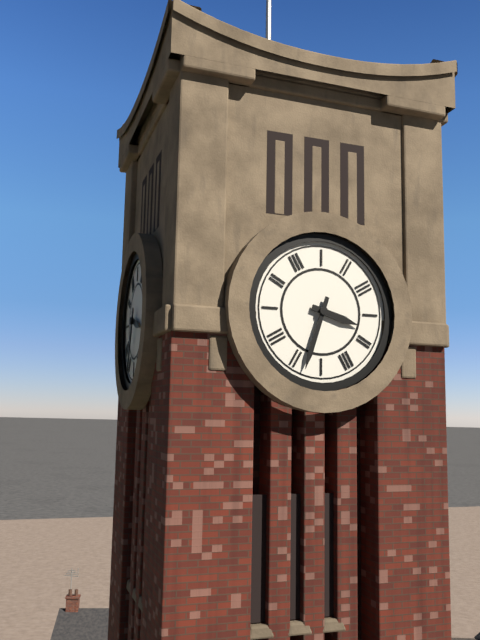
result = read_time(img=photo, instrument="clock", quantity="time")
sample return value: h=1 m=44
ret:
h=3 m=33
